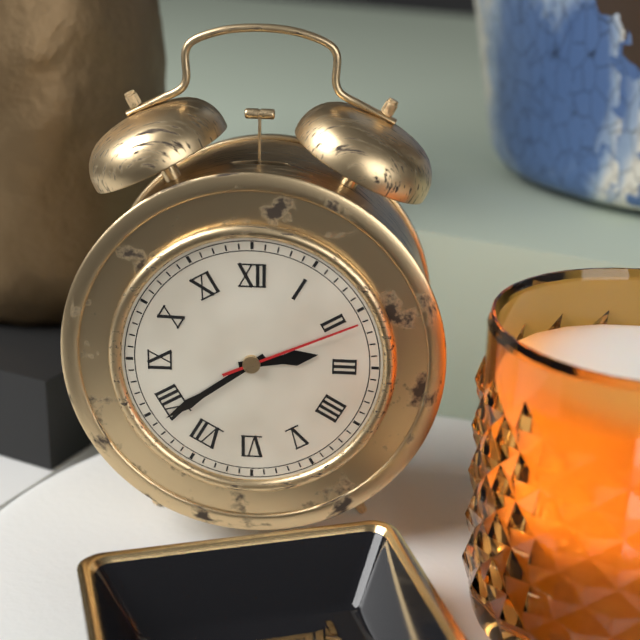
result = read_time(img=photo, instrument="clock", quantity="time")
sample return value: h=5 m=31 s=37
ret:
h=2 m=39 s=11
